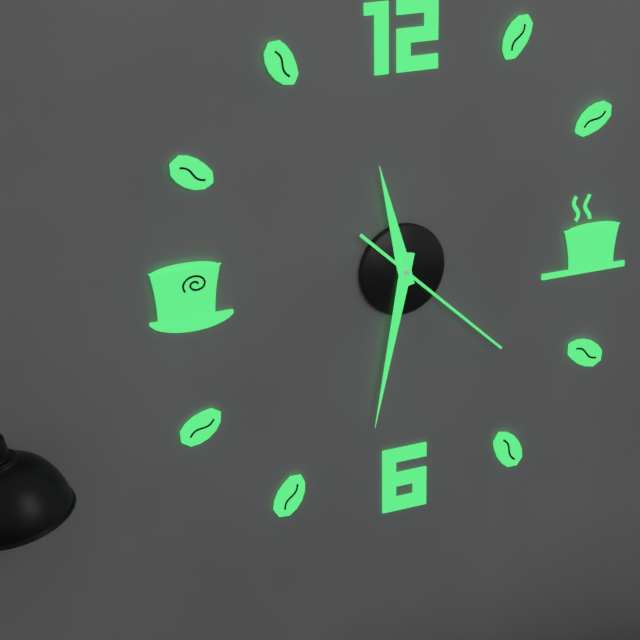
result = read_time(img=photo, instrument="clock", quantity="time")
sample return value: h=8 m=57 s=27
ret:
h=11 m=32 s=22
